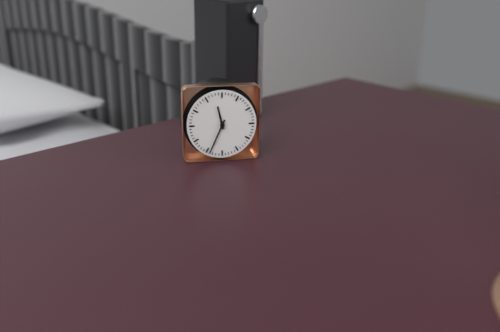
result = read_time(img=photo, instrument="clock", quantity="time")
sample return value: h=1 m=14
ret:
h=11 m=34
